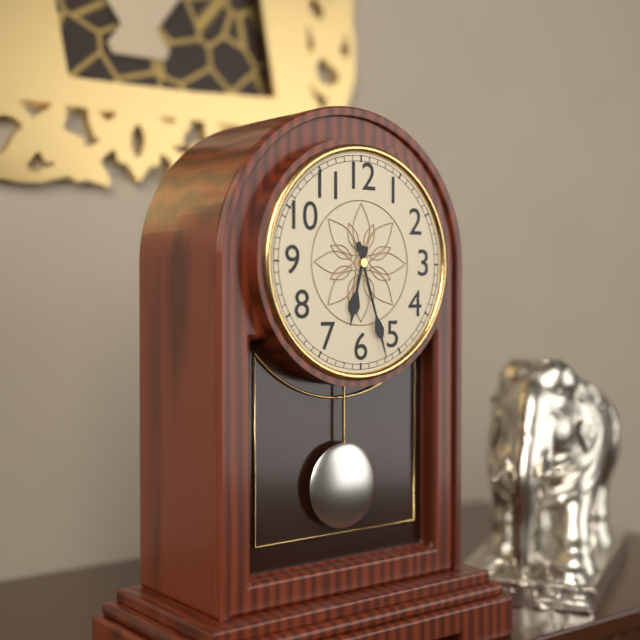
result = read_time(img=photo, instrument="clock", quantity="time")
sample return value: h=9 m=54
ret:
h=6 m=27
